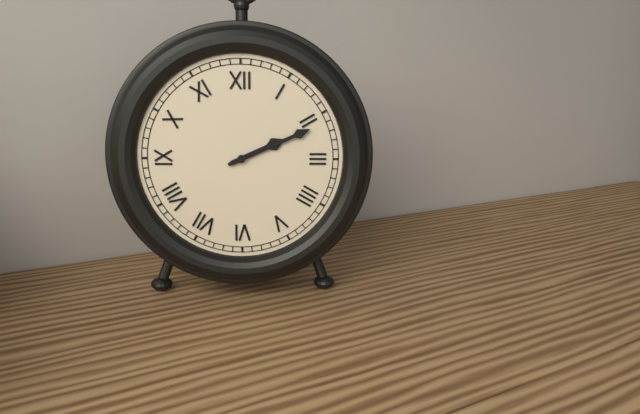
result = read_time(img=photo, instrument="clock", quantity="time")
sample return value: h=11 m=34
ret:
h=2 m=11
